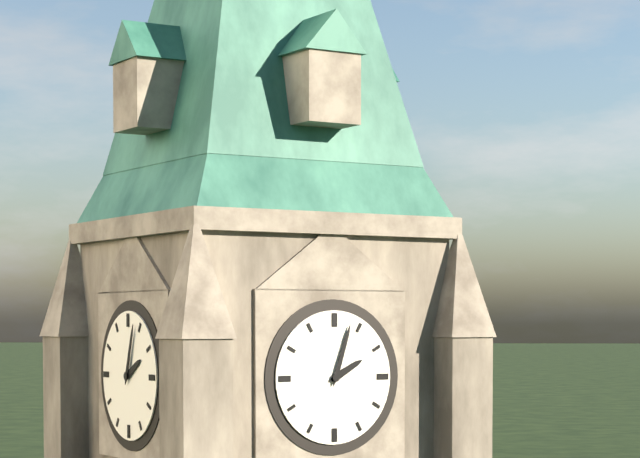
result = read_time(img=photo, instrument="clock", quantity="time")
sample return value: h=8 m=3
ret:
h=2 m=3
